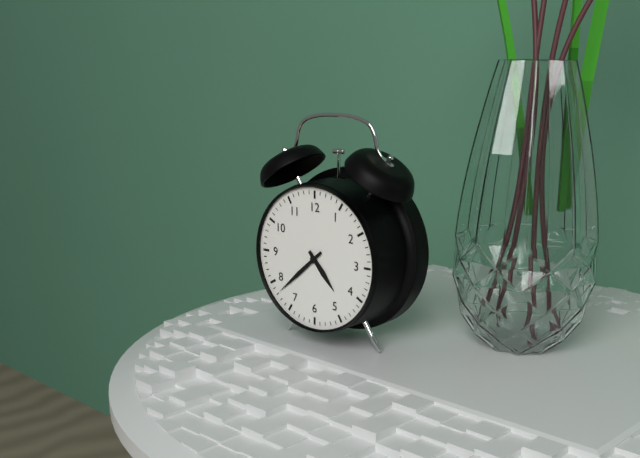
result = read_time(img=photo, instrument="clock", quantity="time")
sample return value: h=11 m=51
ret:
h=4 m=38
